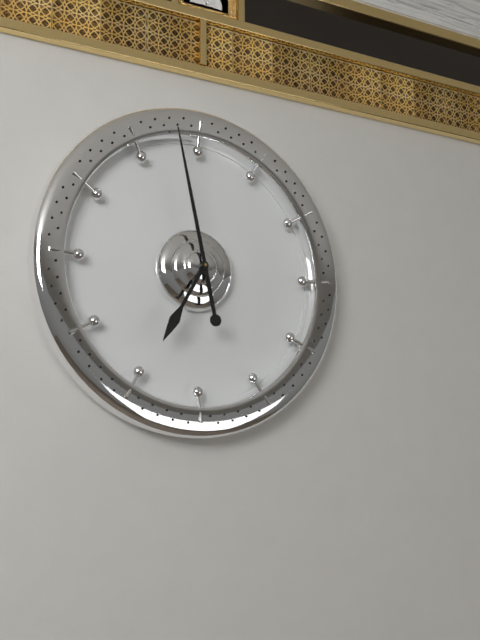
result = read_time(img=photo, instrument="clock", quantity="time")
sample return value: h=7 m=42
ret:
h=6 m=58
